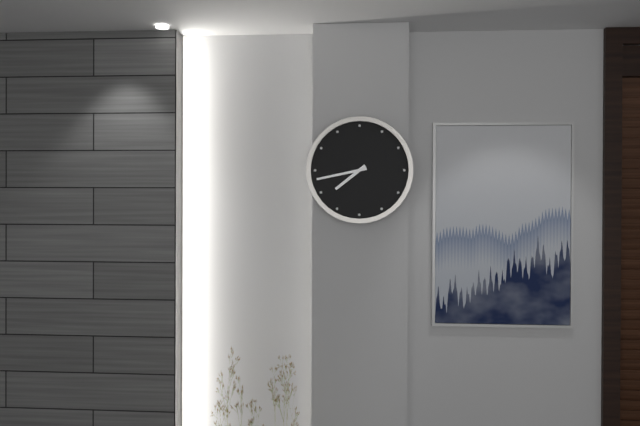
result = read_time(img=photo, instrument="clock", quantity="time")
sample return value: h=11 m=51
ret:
h=7 m=43
